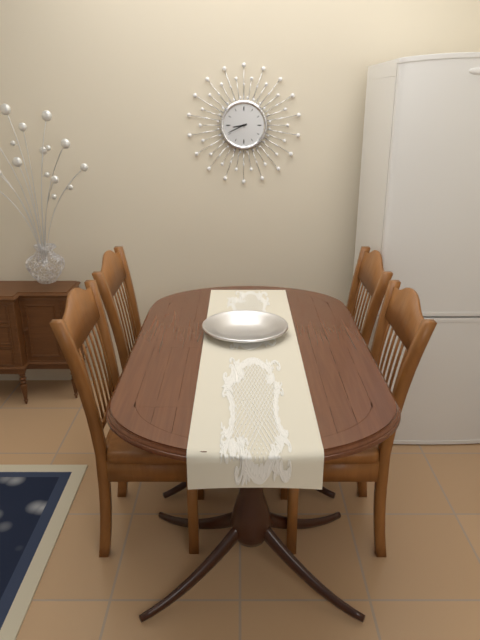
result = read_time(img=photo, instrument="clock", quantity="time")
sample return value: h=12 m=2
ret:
h=8 m=41
